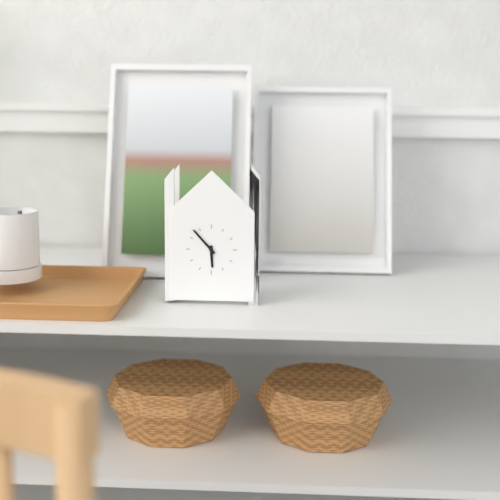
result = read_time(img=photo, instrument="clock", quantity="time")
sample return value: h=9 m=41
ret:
h=5 m=53
